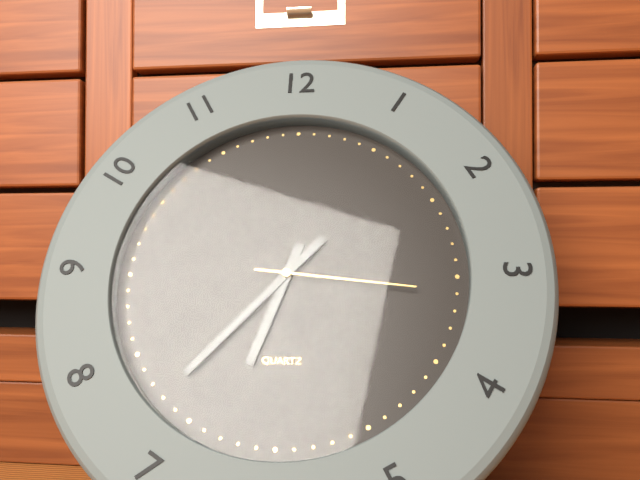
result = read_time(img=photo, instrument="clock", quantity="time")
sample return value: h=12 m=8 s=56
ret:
h=6 m=37 s=16
